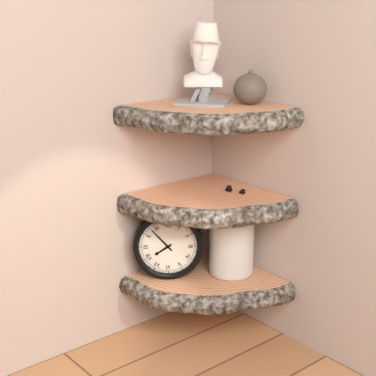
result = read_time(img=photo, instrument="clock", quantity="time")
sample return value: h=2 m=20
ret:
h=7 m=53
